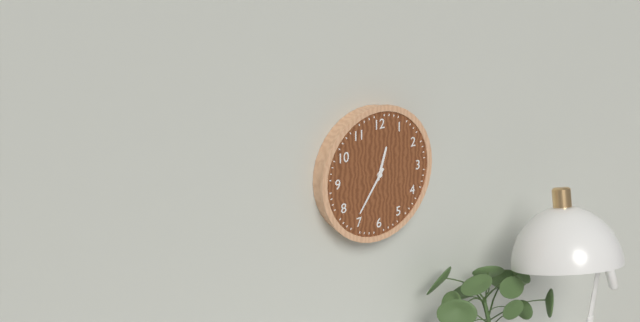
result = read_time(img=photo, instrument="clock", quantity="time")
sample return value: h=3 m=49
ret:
h=12 m=36
